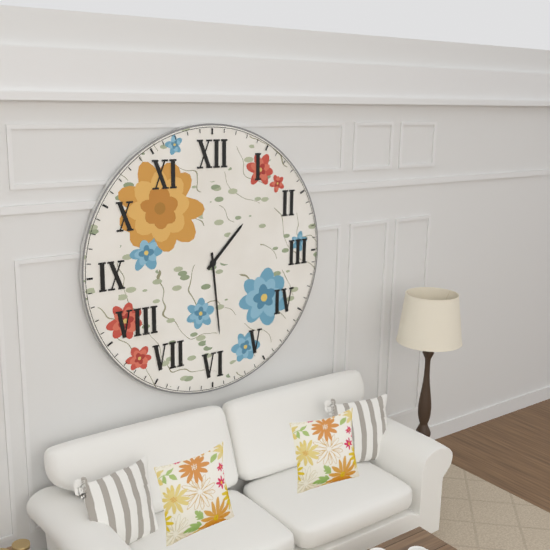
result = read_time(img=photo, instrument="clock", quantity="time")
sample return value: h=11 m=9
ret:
h=1 m=29
